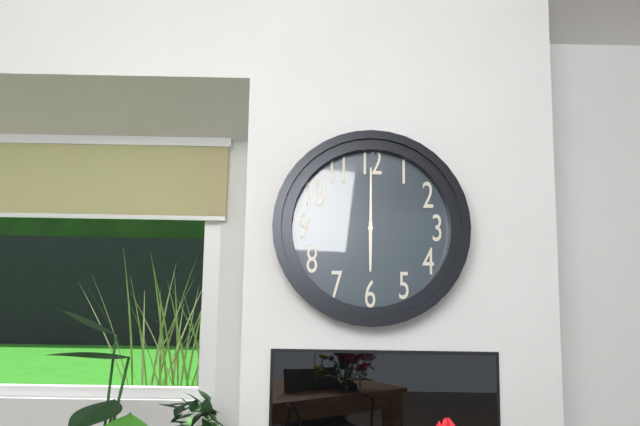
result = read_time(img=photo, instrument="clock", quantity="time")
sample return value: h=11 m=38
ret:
h=6 m=0
